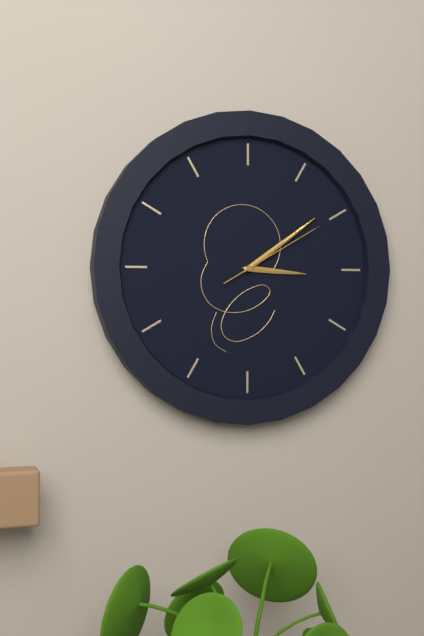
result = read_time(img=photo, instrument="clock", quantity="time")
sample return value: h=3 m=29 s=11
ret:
h=3 m=9 s=10
